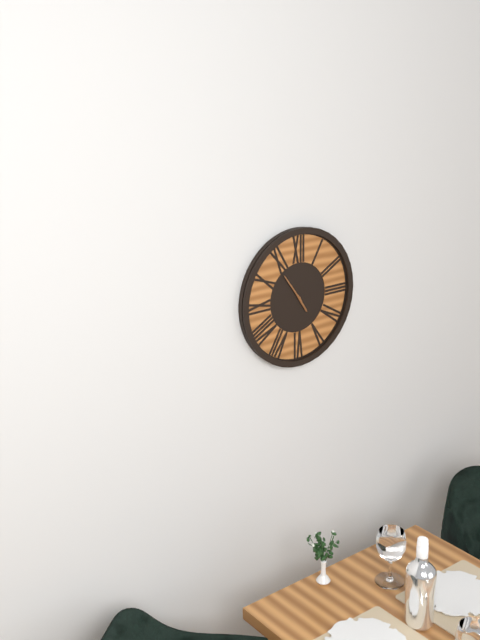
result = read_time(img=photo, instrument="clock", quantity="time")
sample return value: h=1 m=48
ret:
h=4 m=54
